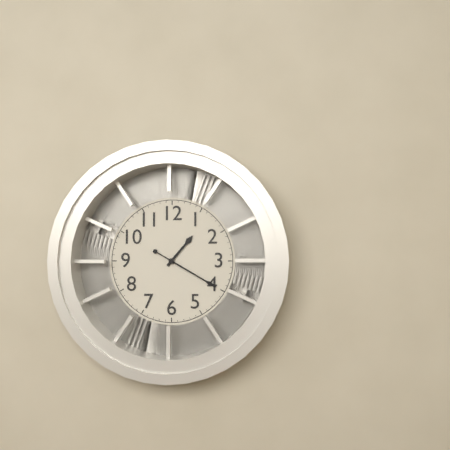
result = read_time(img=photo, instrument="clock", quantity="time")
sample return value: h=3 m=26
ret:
h=1 m=20
